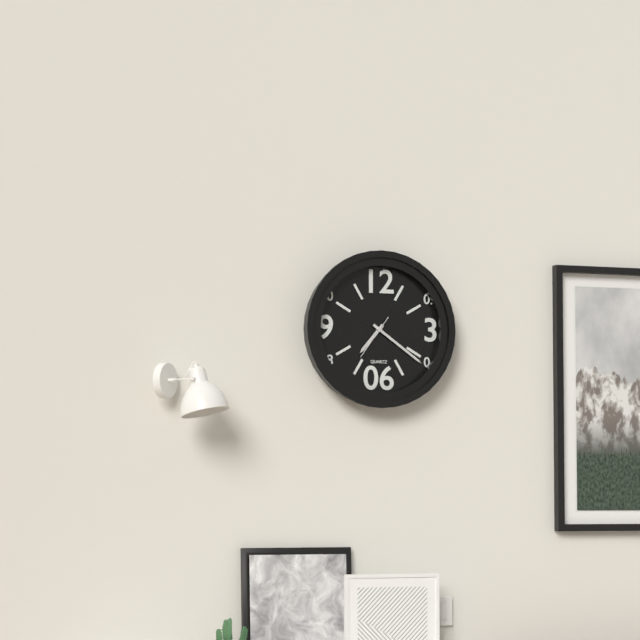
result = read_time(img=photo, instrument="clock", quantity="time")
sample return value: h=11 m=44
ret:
h=7 m=21
